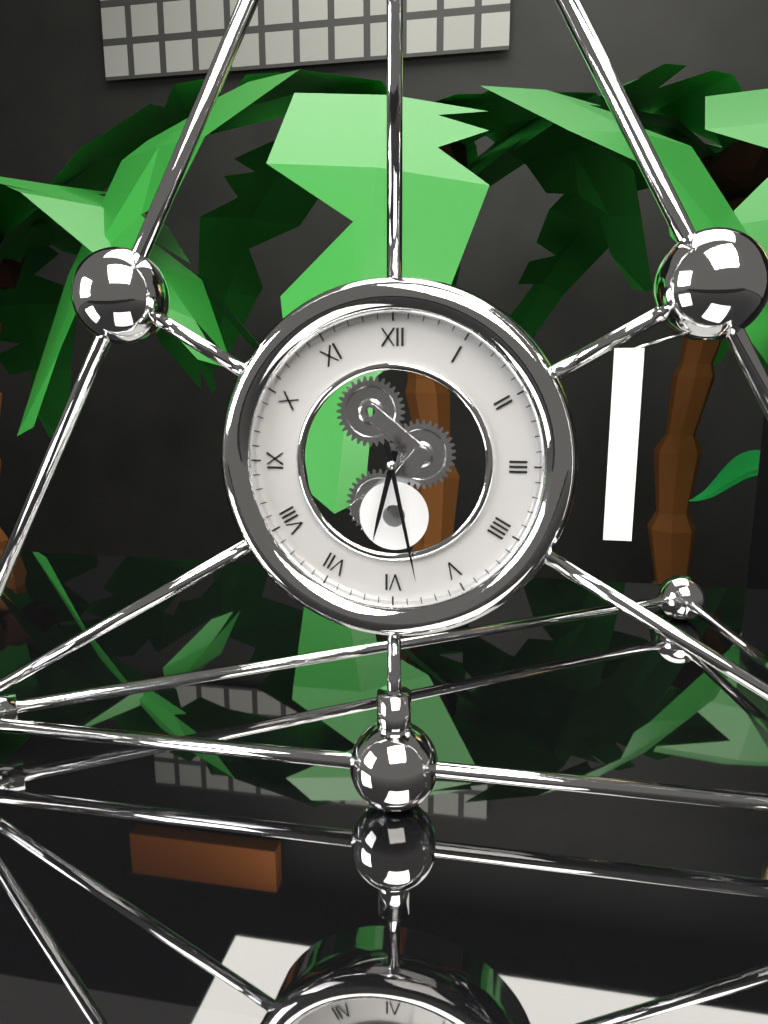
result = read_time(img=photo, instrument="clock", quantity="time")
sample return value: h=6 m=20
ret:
h=6 m=28
